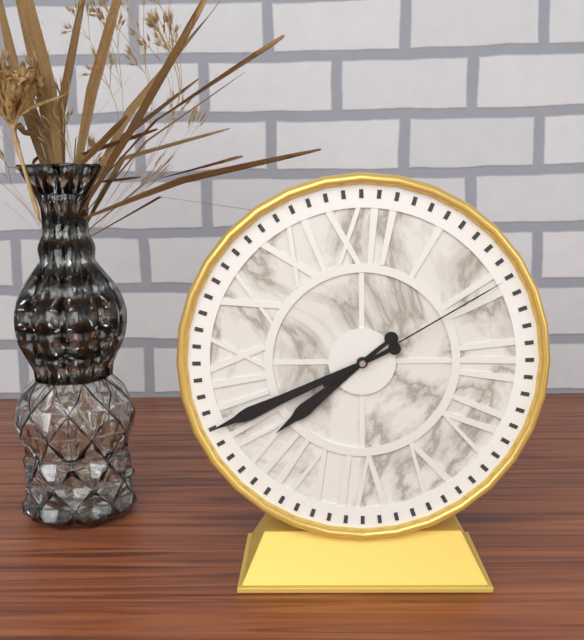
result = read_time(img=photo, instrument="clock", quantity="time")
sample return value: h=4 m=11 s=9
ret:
h=7 m=41 s=10
